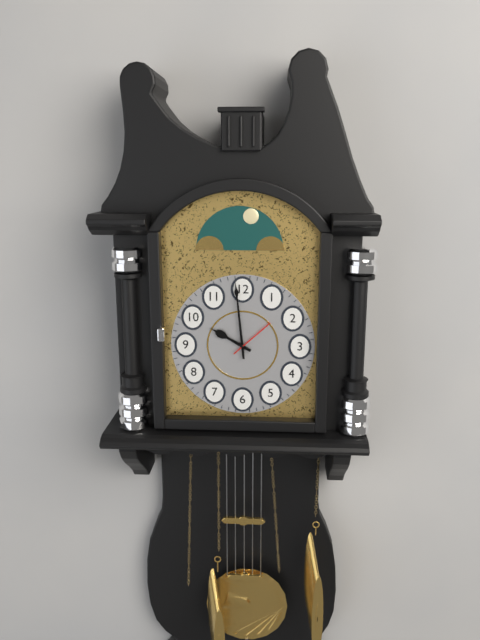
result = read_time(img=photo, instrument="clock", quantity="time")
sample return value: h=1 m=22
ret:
h=9 m=59
